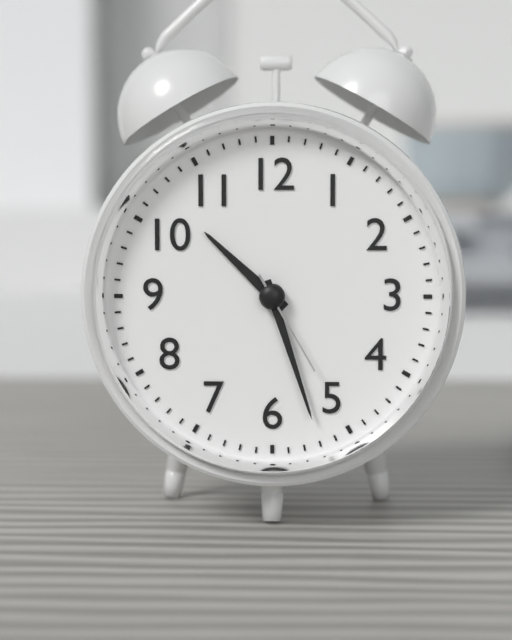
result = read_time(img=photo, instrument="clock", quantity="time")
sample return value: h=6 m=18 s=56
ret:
h=10 m=27 s=25
